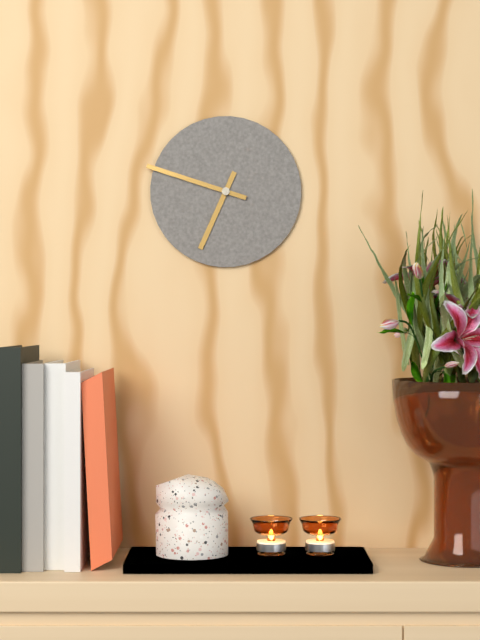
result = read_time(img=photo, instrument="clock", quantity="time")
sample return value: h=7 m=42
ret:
h=6 m=48
